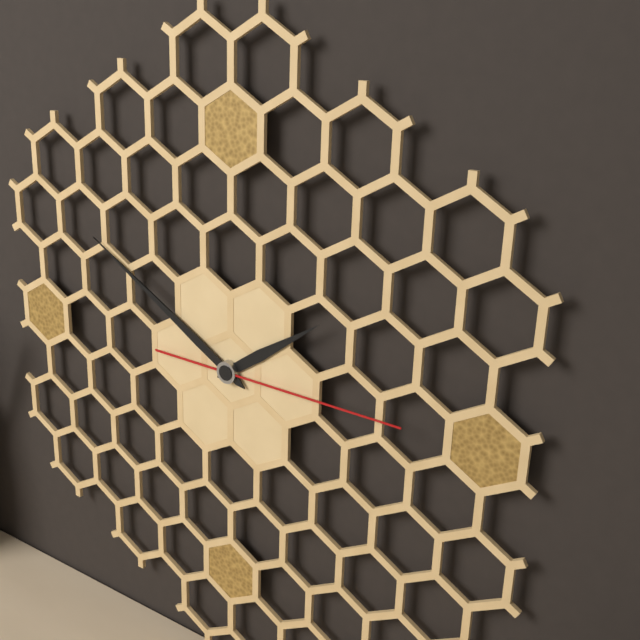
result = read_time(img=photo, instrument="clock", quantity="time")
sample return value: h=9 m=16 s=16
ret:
h=1 m=50 s=15
